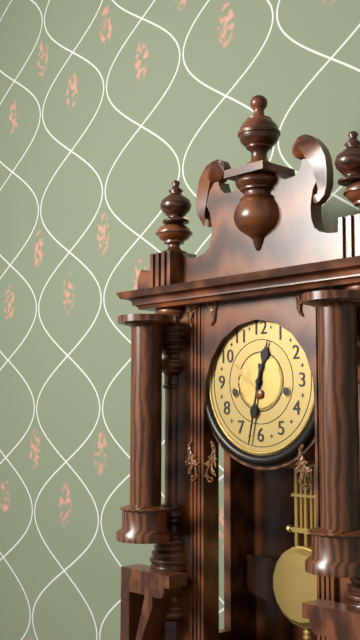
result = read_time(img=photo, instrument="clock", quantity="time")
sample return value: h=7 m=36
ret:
h=12 m=32
